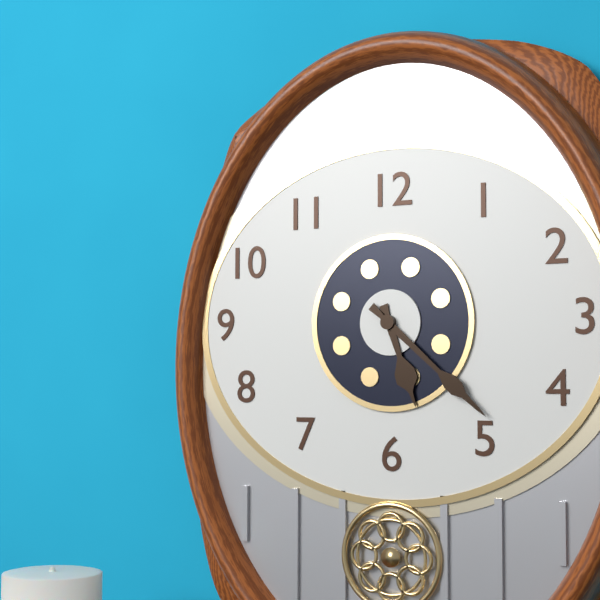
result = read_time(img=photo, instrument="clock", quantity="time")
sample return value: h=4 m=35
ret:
h=5 m=22
